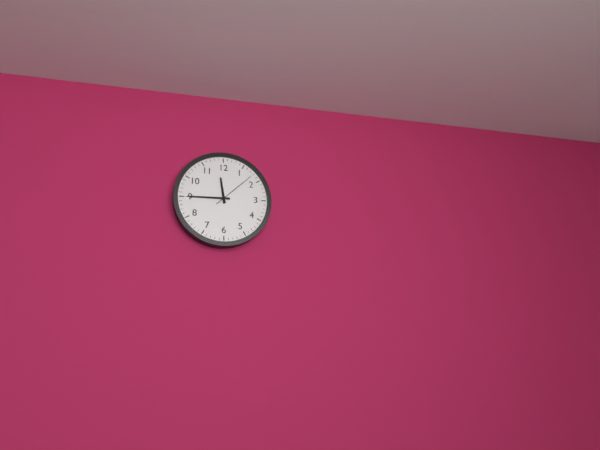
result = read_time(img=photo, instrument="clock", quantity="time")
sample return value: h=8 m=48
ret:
h=11 m=45
